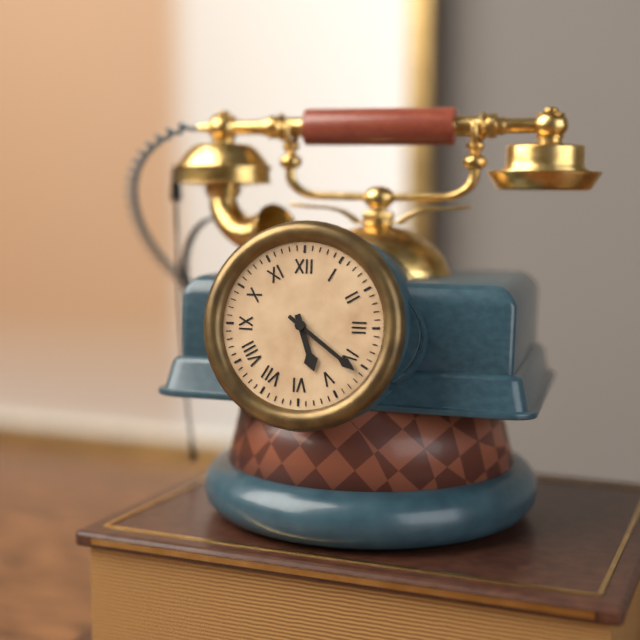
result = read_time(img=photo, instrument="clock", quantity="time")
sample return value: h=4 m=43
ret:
h=5 m=21
